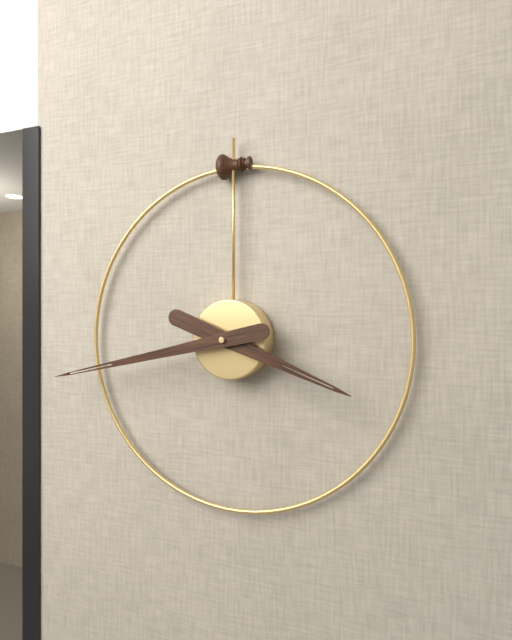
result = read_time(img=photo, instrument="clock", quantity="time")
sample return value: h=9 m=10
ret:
h=3 m=43
